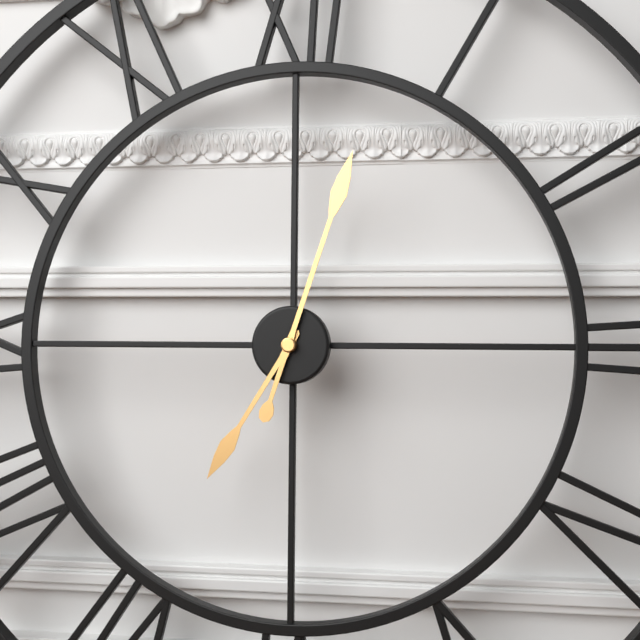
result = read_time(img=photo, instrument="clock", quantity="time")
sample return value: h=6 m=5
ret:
h=7 m=3
